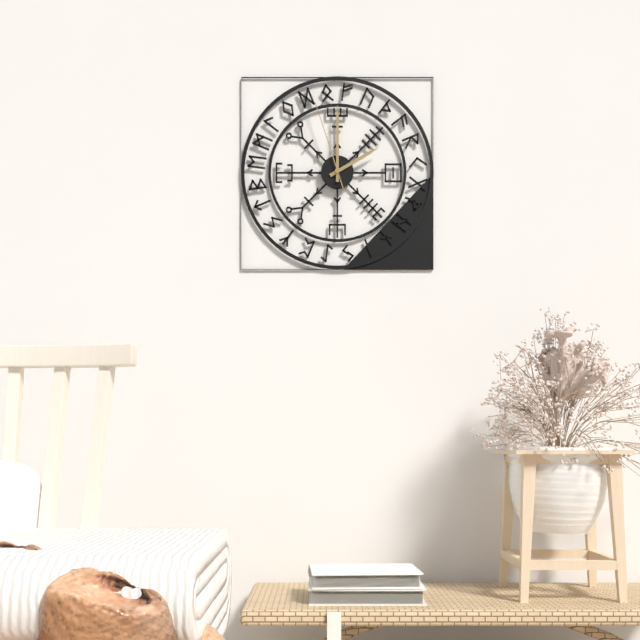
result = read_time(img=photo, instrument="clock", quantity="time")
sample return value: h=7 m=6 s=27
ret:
h=2 m=0 s=57
